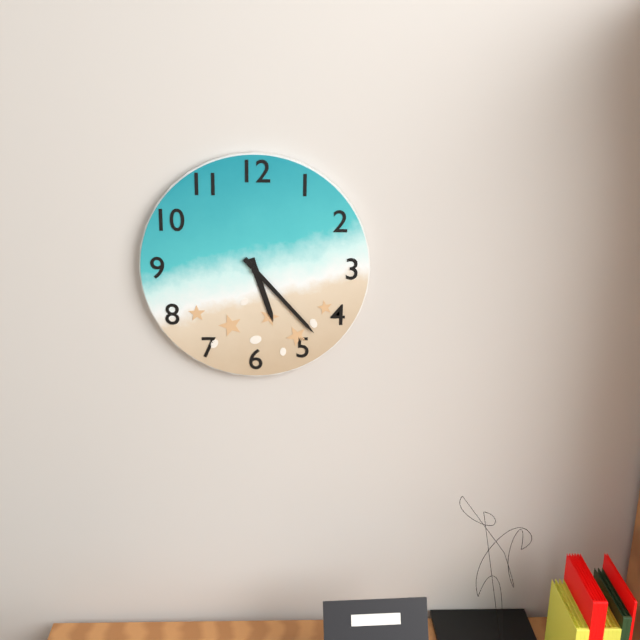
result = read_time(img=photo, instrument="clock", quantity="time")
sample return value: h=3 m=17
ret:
h=5 m=23
